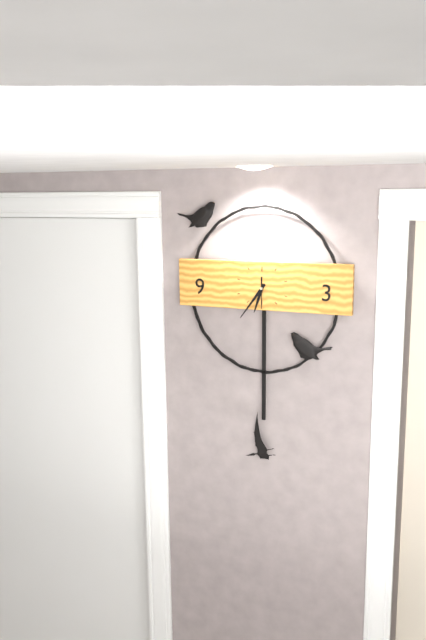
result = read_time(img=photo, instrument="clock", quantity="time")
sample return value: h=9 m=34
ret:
h=6 m=36
